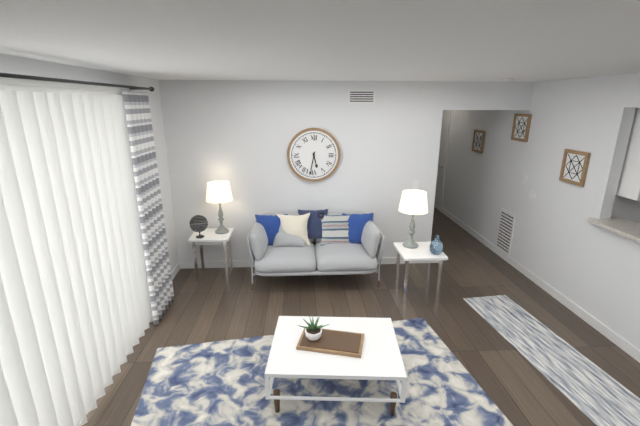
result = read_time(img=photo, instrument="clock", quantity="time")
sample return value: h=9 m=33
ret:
h=5 m=32
